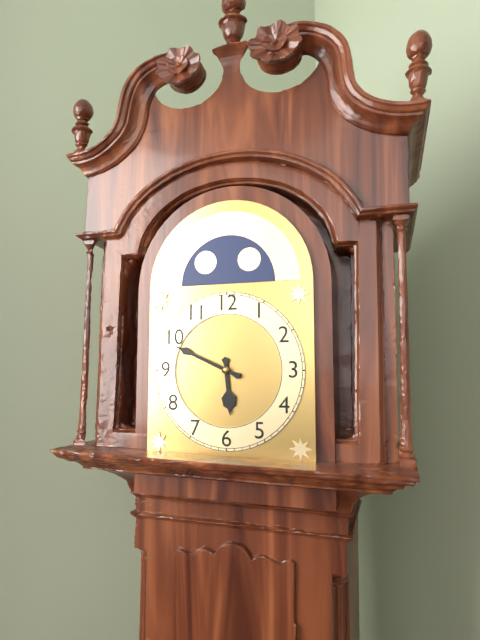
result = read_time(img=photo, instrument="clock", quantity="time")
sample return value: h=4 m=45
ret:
h=5 m=49
